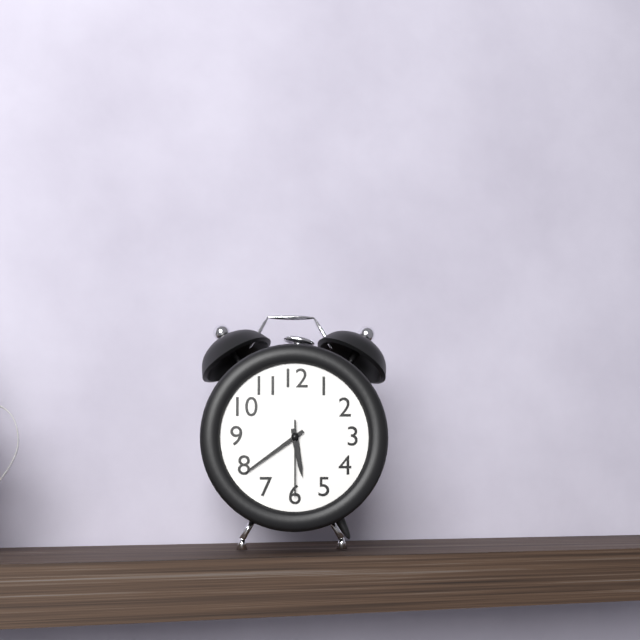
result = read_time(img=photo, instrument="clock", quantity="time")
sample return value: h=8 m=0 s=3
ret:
h=5 m=39 s=30
